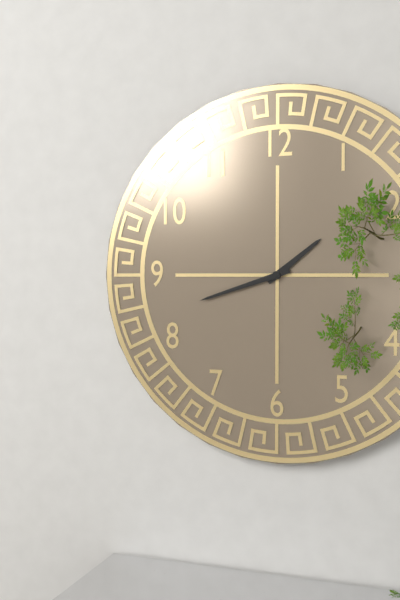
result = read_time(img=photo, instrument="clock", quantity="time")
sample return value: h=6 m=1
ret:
h=1 m=42
